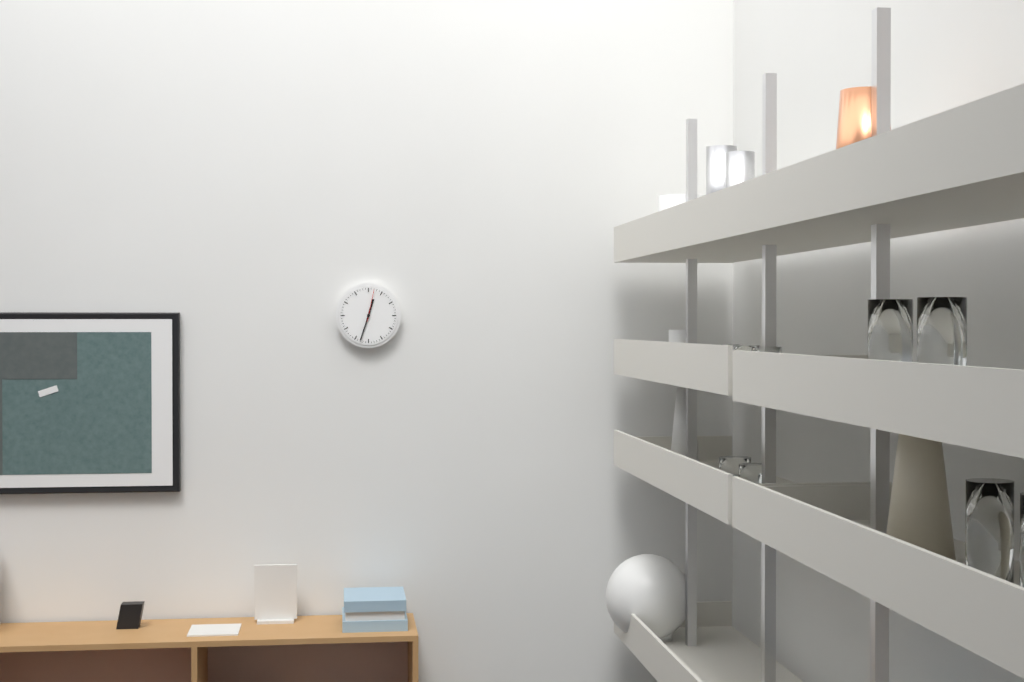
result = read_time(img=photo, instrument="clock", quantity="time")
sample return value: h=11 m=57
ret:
h=12 m=33
